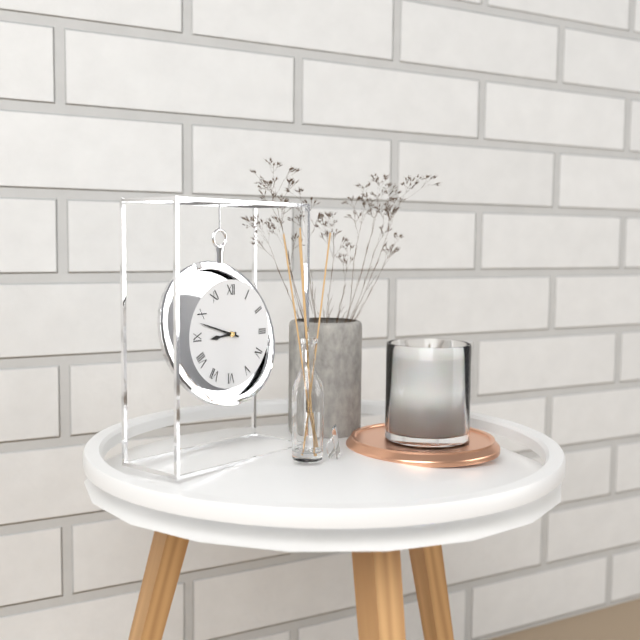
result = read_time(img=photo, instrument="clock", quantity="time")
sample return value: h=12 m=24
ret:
h=8 m=48
